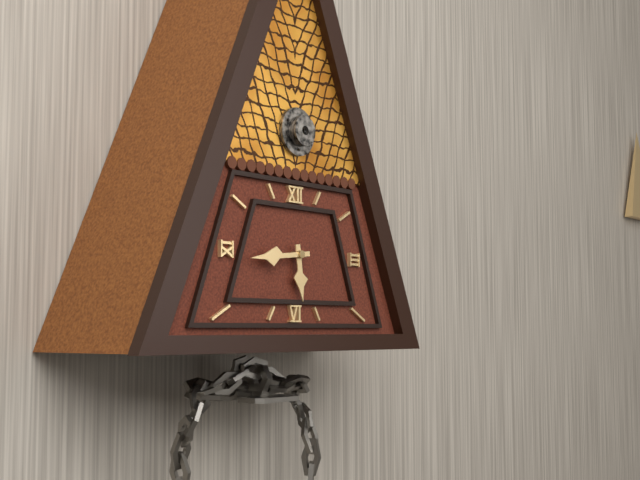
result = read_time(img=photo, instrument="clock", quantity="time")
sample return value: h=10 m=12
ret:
h=5 m=44
